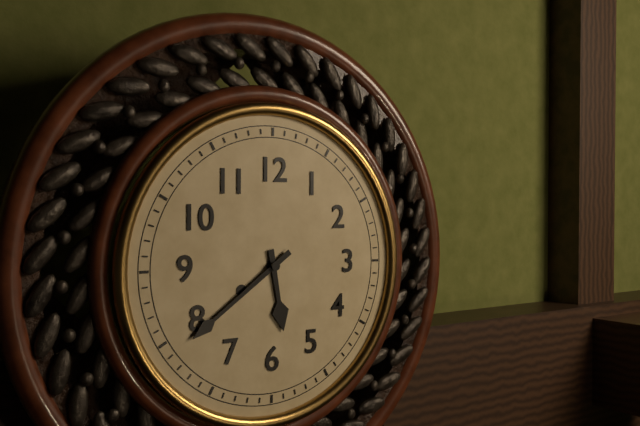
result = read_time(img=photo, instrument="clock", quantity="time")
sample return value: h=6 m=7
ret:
h=5 m=39
